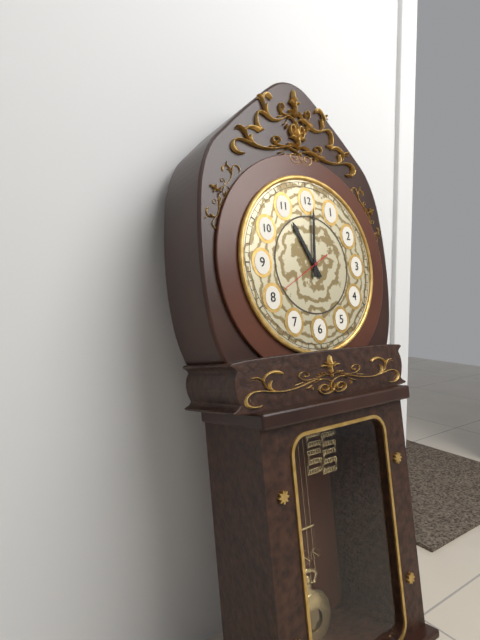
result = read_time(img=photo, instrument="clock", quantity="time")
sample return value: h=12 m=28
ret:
h=11 m=1
